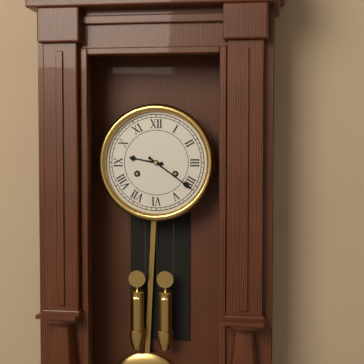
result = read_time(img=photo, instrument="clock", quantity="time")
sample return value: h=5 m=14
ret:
h=9 m=21
